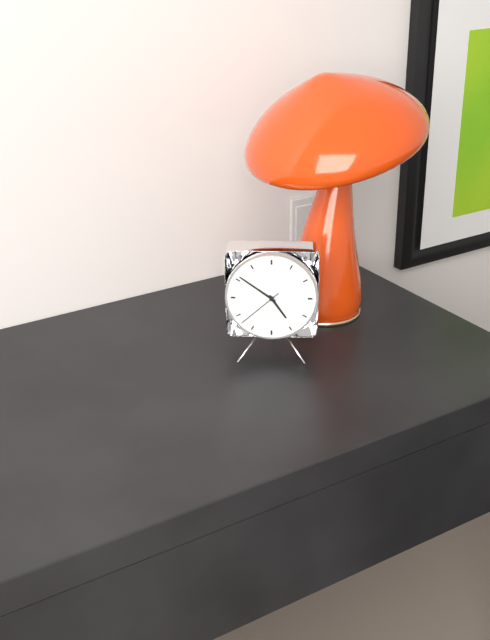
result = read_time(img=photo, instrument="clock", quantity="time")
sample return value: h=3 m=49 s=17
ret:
h=4 m=51 s=38
